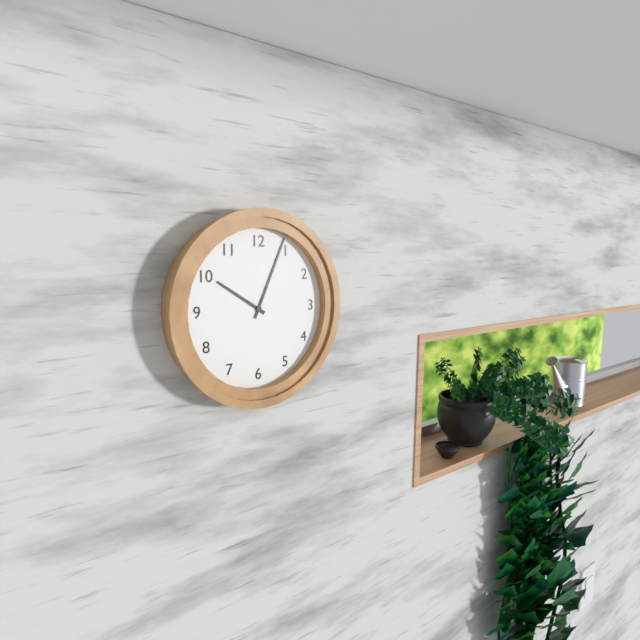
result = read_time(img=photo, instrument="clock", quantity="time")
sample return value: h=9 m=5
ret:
h=10 m=4
